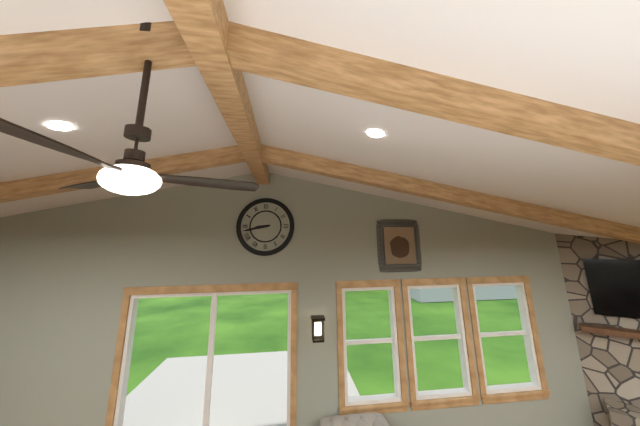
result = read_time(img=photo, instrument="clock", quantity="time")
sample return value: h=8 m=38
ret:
h=8 m=43
